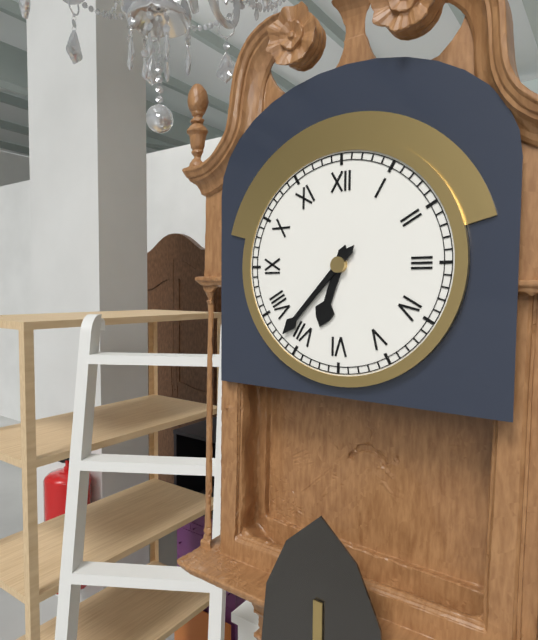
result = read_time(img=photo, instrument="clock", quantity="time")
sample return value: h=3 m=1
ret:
h=6 m=37
